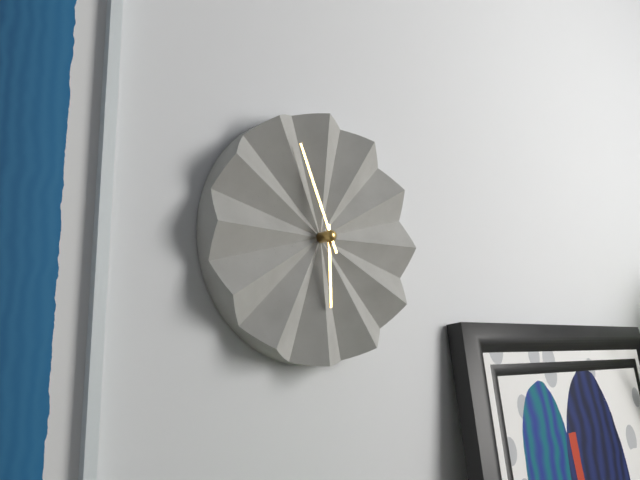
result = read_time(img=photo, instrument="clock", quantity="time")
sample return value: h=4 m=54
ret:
h=5 m=56
